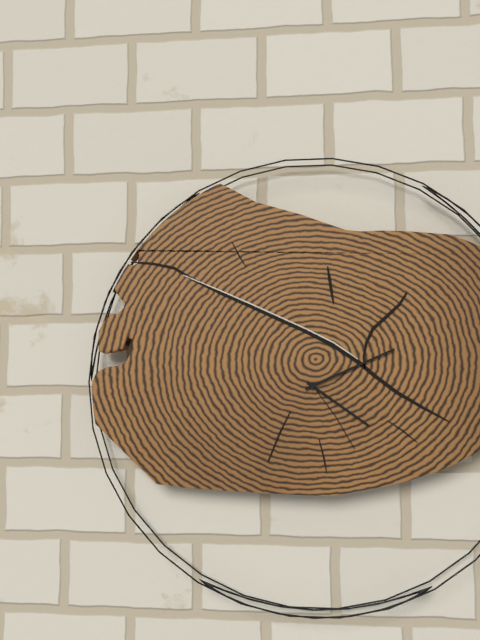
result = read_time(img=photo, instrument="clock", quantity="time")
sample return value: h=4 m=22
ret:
h=4 m=11
